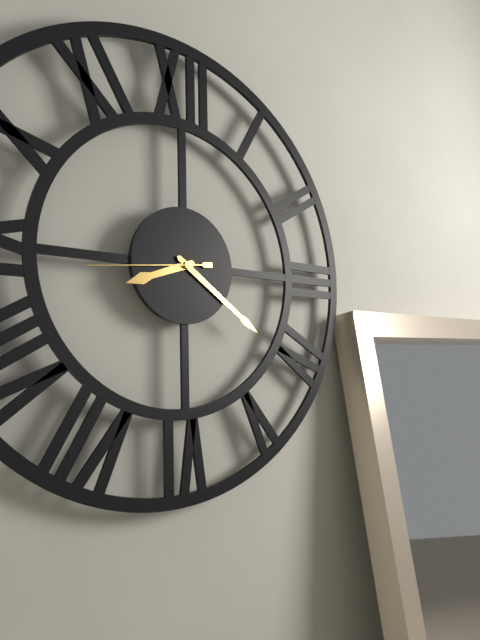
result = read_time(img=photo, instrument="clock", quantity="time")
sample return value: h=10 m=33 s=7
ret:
h=8 m=21 s=44
